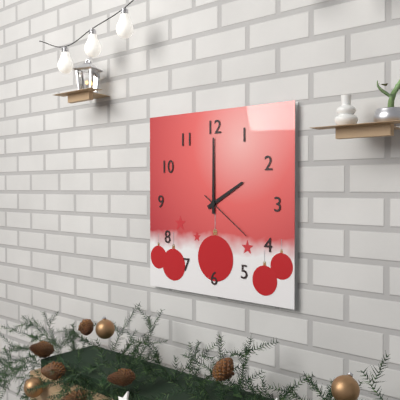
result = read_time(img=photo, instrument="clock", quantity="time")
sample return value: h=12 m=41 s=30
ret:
h=2 m=0 s=21
